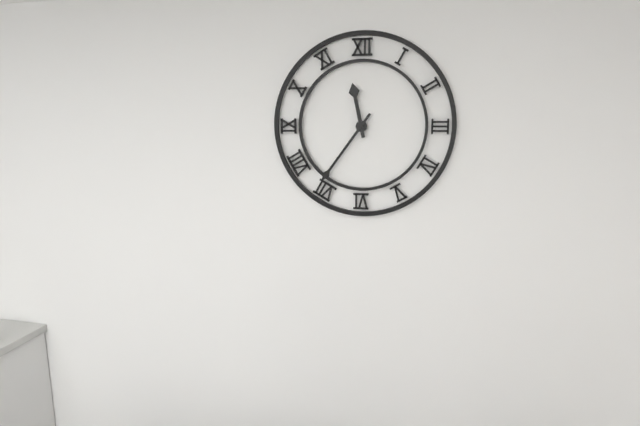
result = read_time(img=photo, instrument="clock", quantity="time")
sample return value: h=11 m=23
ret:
h=11 m=36
